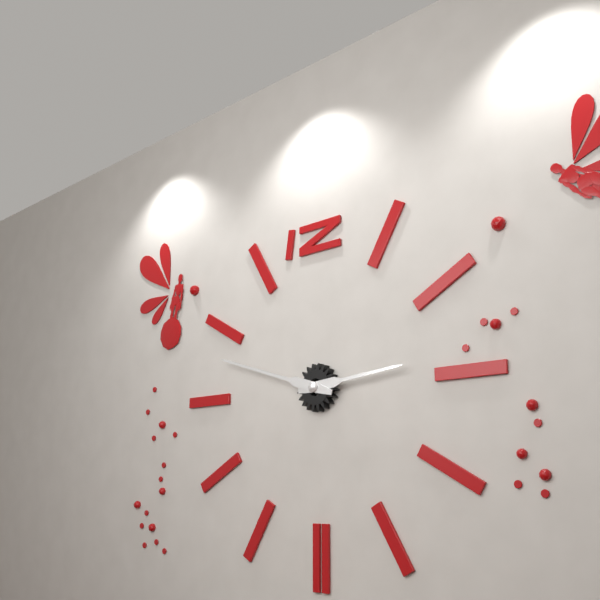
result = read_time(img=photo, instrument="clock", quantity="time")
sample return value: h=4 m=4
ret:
h=2 m=48
